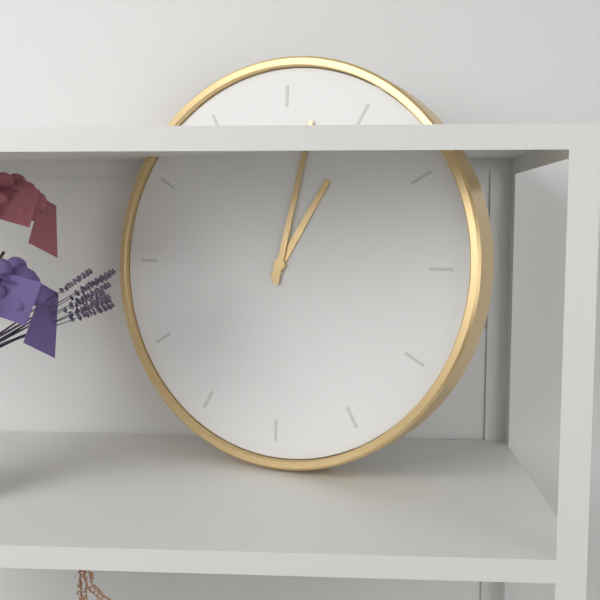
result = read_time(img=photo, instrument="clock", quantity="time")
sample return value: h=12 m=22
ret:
h=1 m=2
